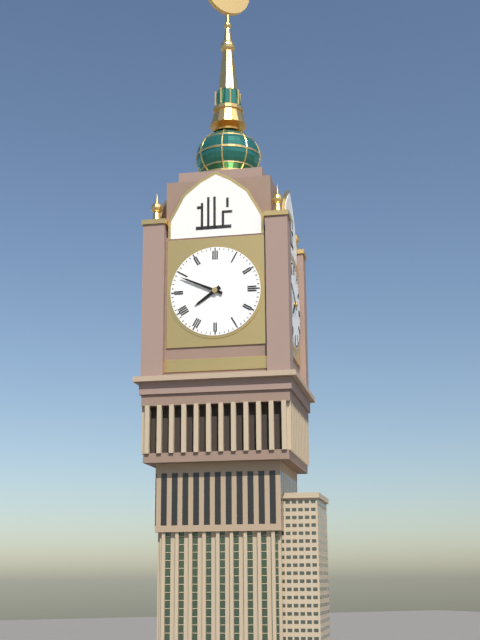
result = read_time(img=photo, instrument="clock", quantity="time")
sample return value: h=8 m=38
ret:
h=7 m=49
